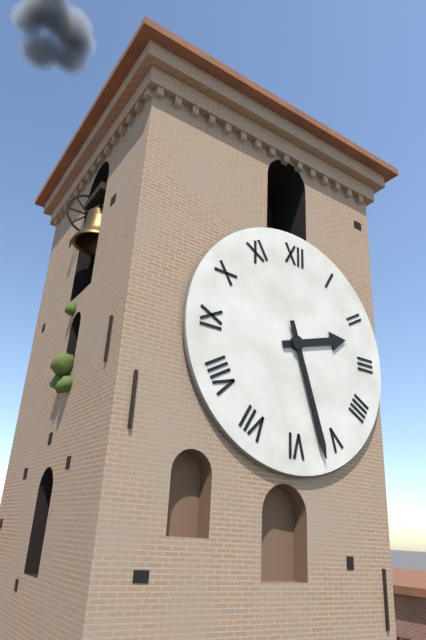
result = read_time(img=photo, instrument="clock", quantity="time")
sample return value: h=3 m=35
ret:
h=2 m=27
